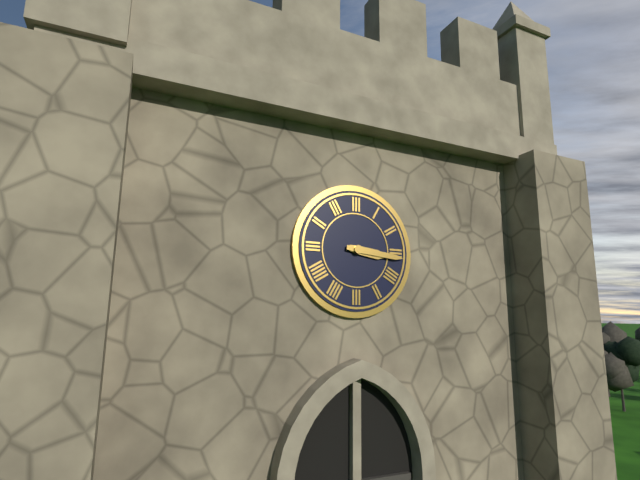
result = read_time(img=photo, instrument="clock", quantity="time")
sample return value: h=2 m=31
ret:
h=3 m=16
